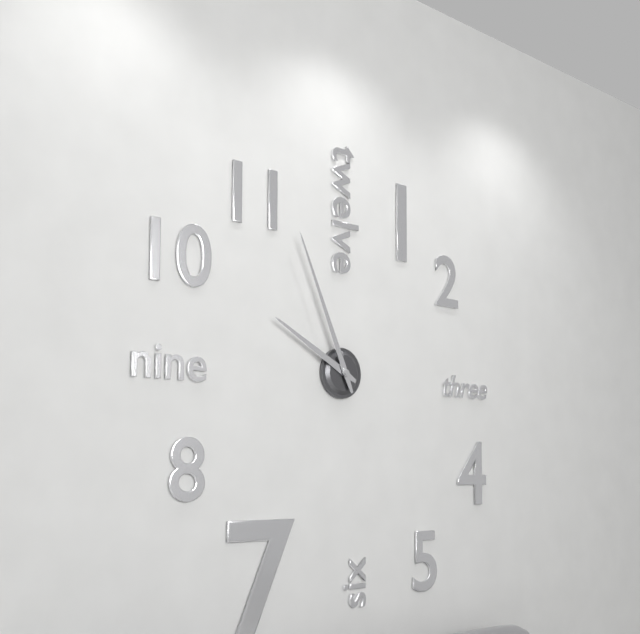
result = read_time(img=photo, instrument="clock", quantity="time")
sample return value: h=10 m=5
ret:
h=9 m=56
